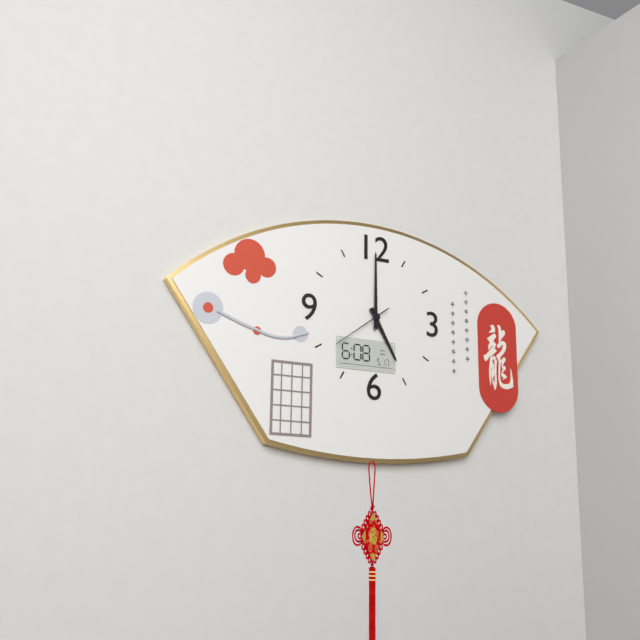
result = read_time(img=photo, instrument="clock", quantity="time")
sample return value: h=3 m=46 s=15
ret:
h=5 m=0 s=39
